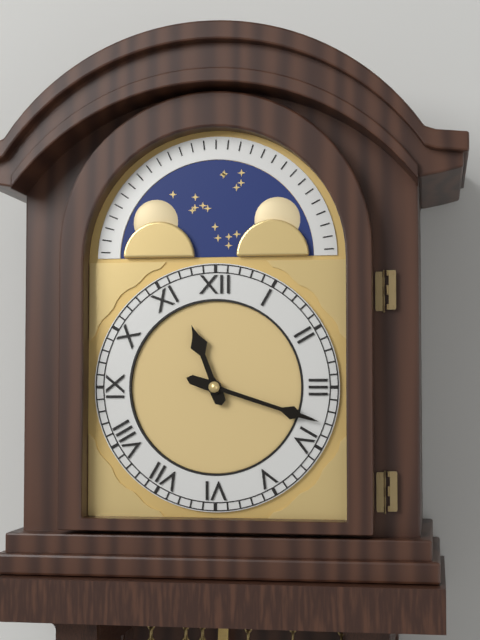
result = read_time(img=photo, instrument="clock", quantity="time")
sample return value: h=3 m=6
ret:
h=11 m=18
